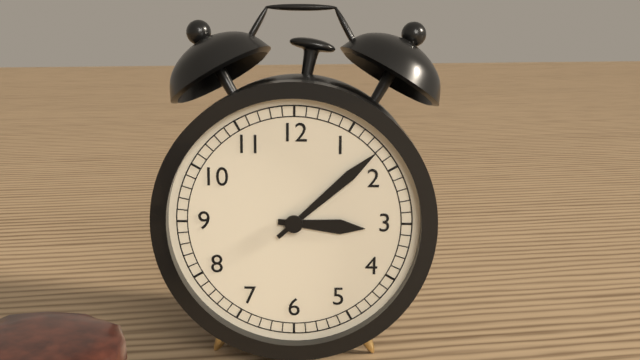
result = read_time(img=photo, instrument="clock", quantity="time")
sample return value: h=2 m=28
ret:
h=3 m=8
